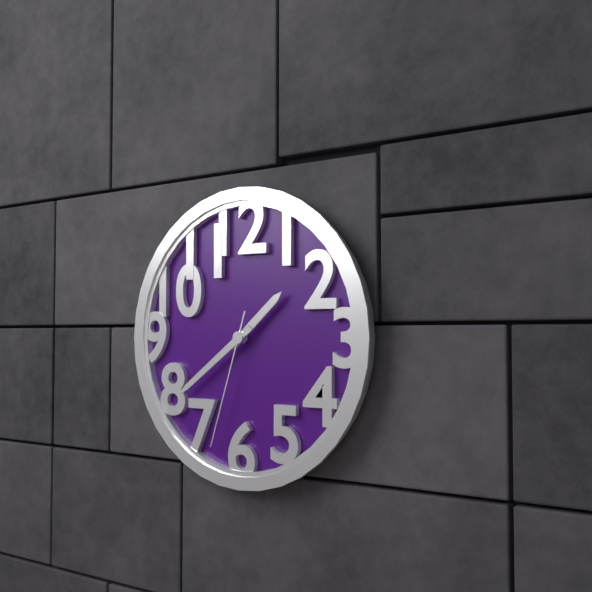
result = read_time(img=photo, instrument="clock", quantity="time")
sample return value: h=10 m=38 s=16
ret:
h=1 m=39 s=33
